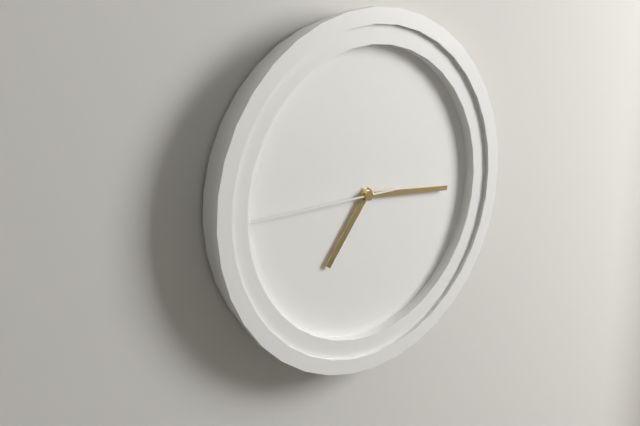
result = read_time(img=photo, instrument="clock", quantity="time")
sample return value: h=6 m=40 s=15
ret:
h=7 m=16 s=45
